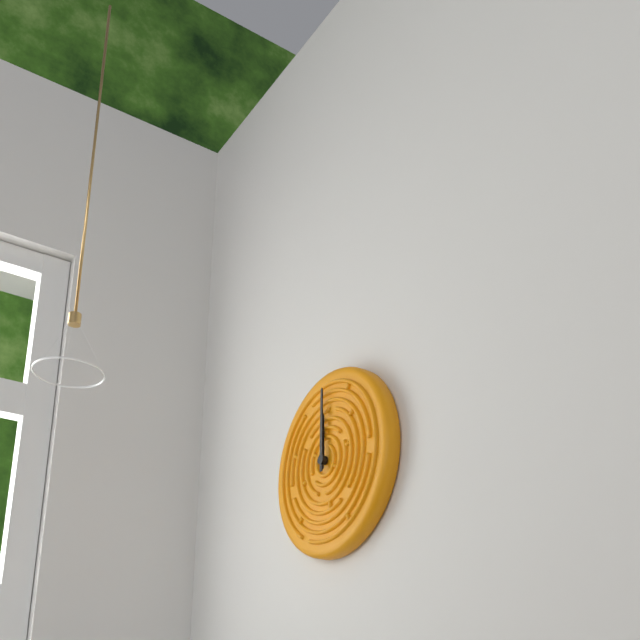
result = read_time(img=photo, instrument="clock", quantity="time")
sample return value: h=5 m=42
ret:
h=12 m=0
